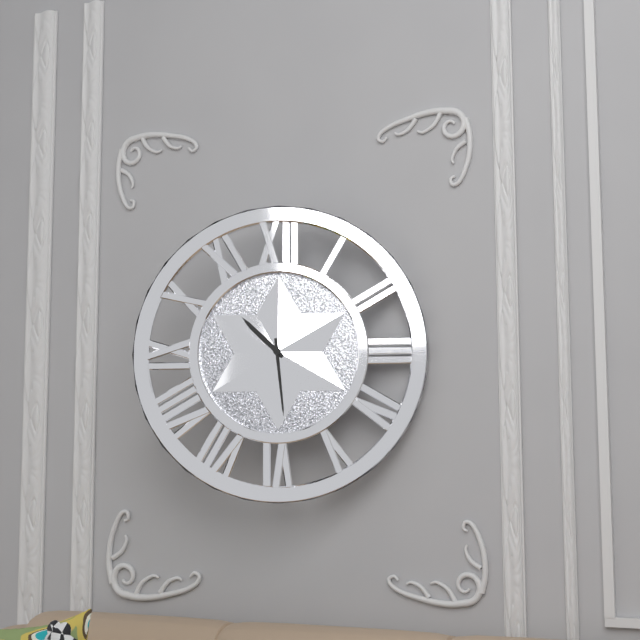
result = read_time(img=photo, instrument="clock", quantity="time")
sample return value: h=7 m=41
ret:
h=10 m=29
